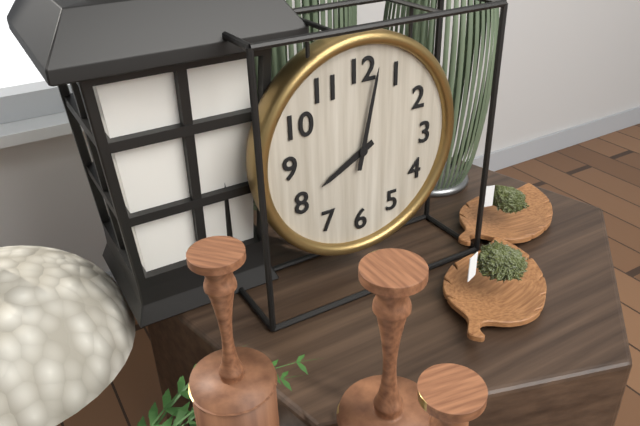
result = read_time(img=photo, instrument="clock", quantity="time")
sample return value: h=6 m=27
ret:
h=8 m=2
